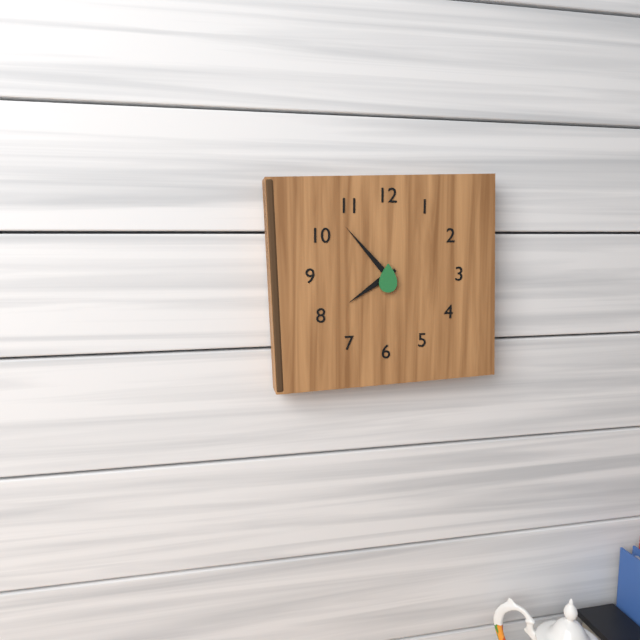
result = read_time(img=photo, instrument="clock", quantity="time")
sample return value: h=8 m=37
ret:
h=7 m=53
